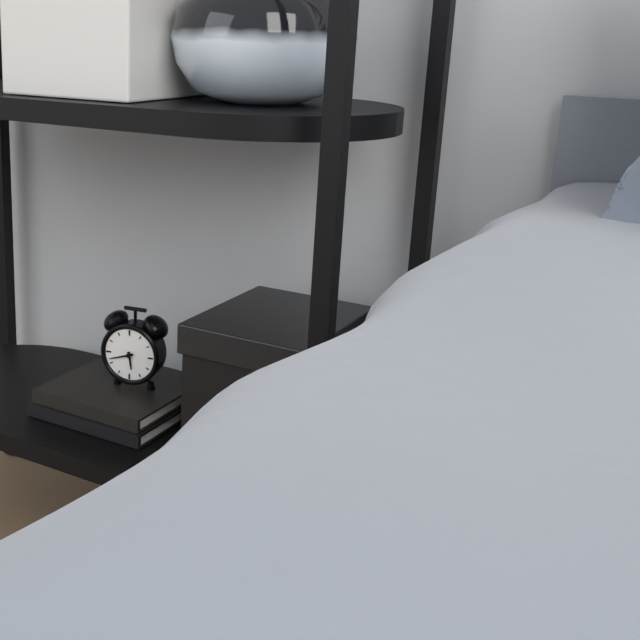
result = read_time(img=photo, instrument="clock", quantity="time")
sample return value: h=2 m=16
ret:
h=5 m=42
